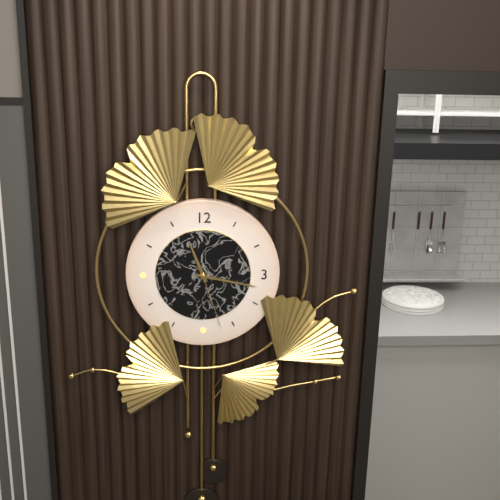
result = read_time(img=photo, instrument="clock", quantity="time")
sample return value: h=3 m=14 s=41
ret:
h=11 m=17 s=27
